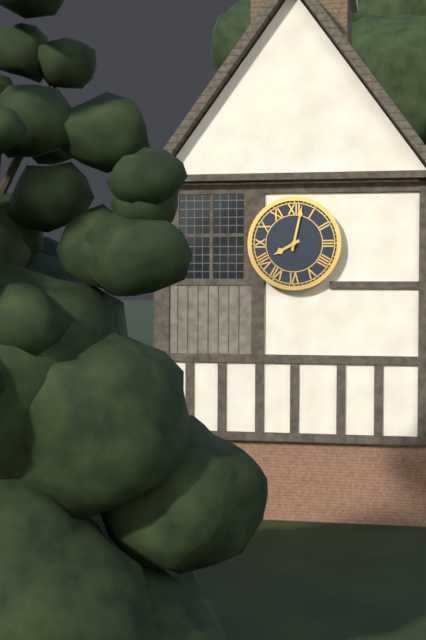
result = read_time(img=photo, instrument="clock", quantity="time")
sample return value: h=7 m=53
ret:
h=8 m=2
